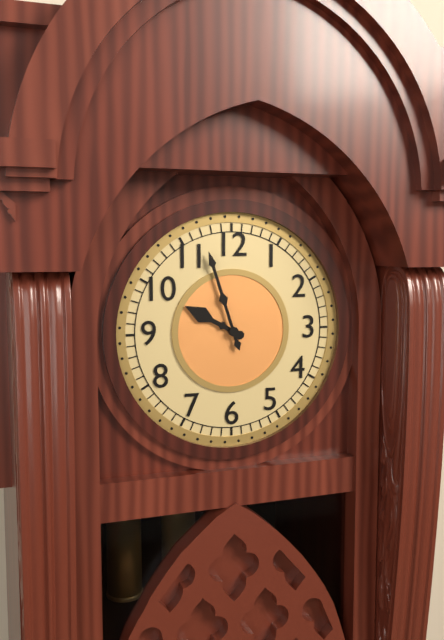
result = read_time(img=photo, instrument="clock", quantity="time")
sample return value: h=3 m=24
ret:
h=9 m=57
